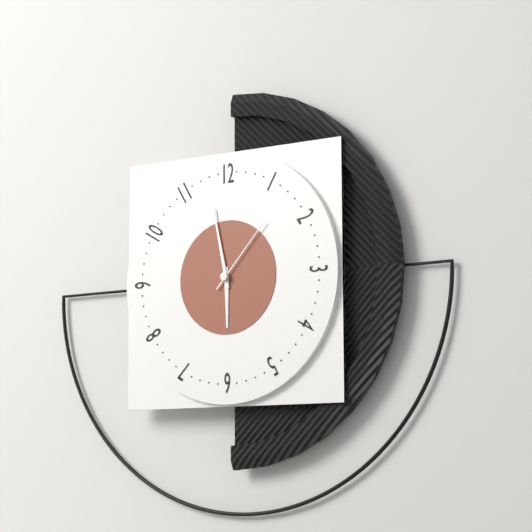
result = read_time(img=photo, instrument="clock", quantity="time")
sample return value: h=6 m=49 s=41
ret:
h=5 m=58 s=7
